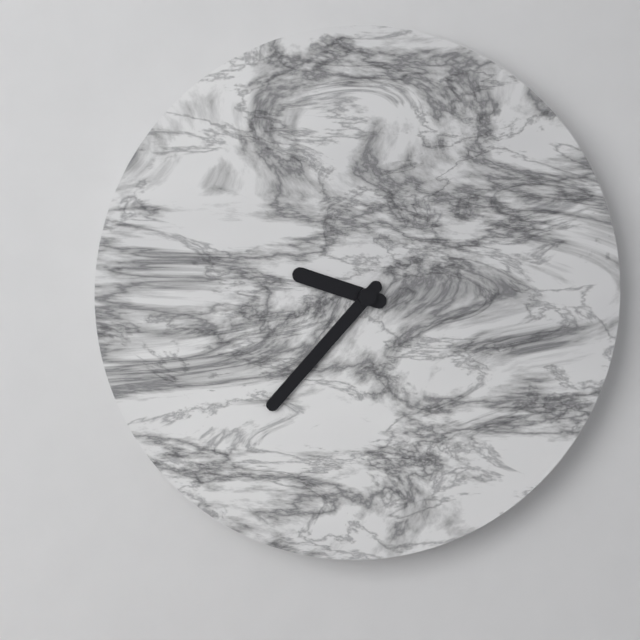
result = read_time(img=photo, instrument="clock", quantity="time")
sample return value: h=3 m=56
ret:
h=9 m=37
